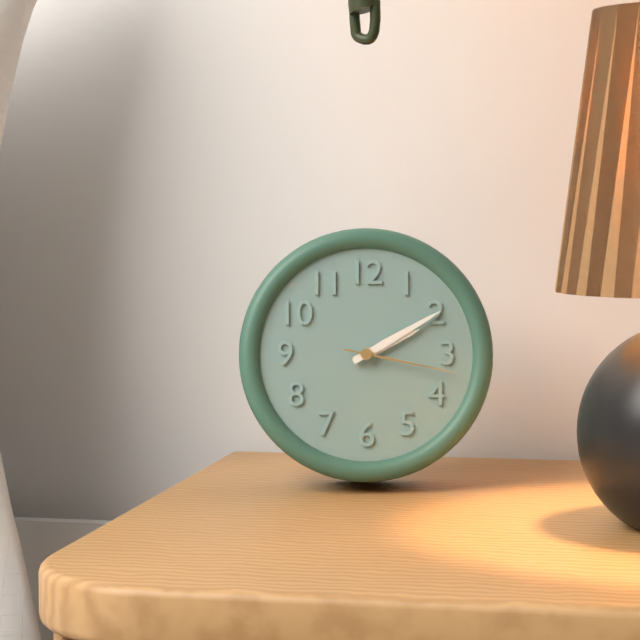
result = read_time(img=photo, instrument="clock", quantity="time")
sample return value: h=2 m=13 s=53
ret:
h=2 m=10 s=17
